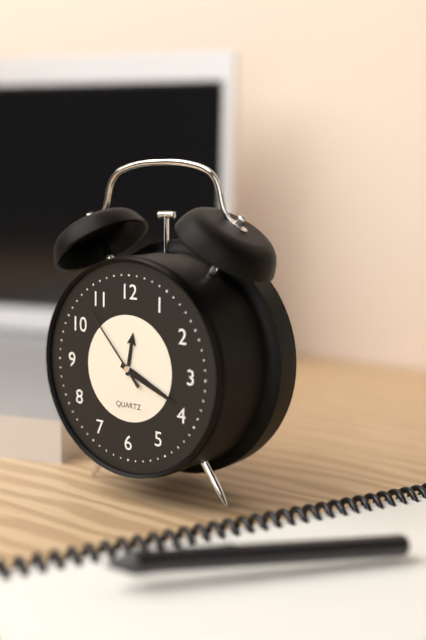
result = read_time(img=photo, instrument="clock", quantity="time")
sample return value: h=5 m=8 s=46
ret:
h=12 m=19 s=53
